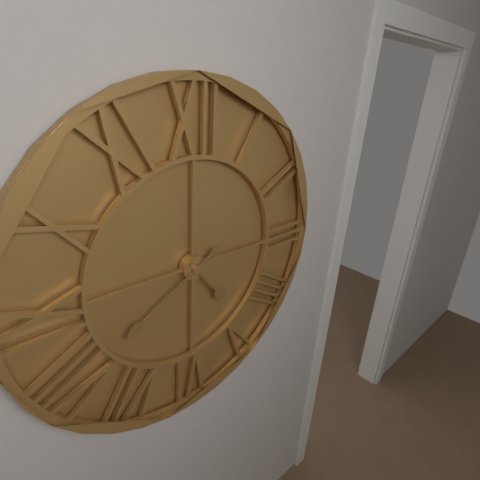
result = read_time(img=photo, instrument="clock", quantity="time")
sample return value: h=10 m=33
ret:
h=4 m=40
